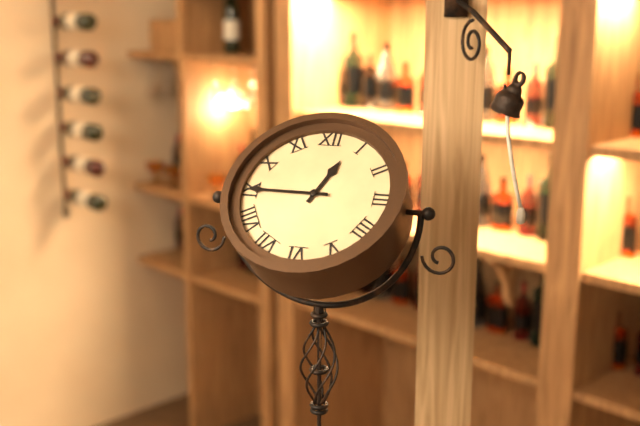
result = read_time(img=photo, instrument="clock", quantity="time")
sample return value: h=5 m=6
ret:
h=12 m=45
